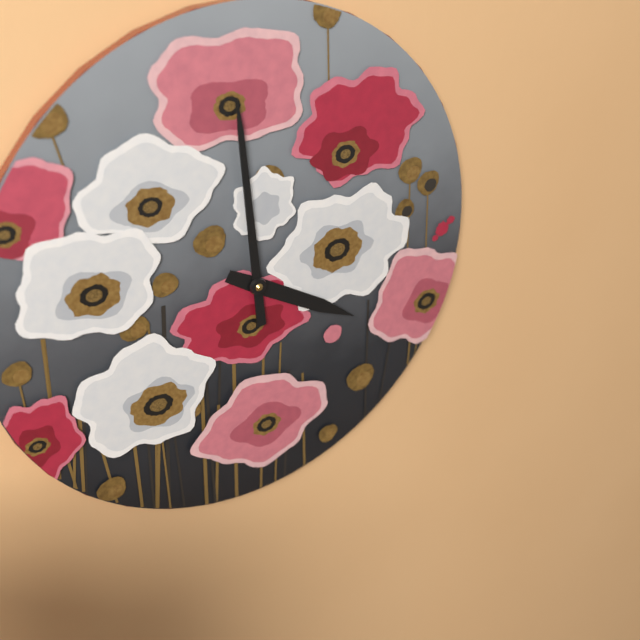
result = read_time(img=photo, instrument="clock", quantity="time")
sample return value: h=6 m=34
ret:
h=3 m=59
